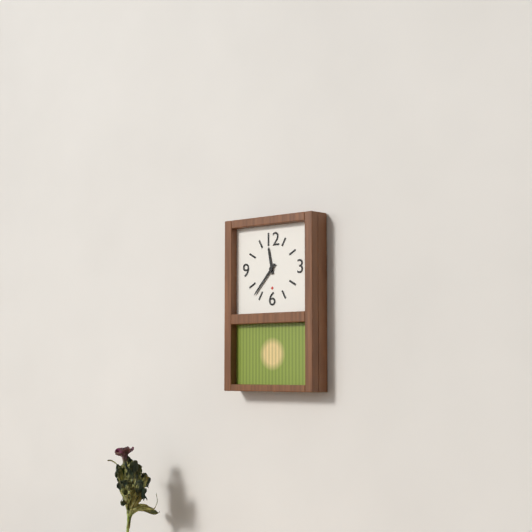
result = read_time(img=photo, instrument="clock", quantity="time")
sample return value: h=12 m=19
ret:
h=11 m=37
